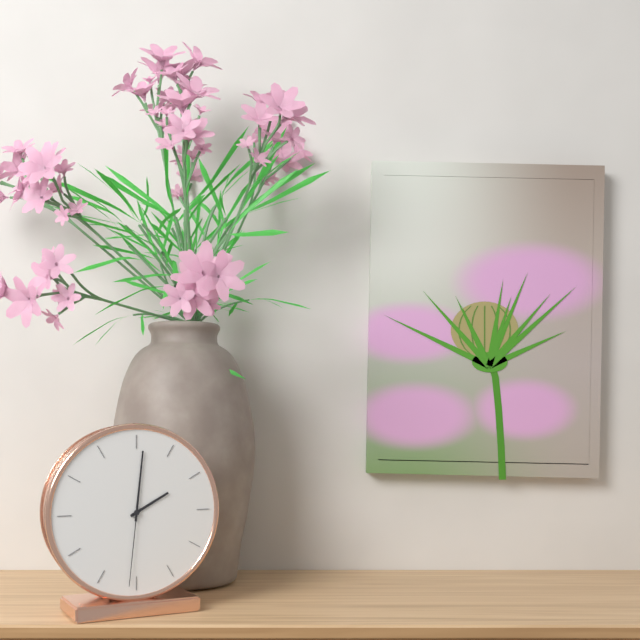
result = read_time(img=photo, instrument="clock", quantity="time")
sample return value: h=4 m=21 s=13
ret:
h=2 m=1 s=31
